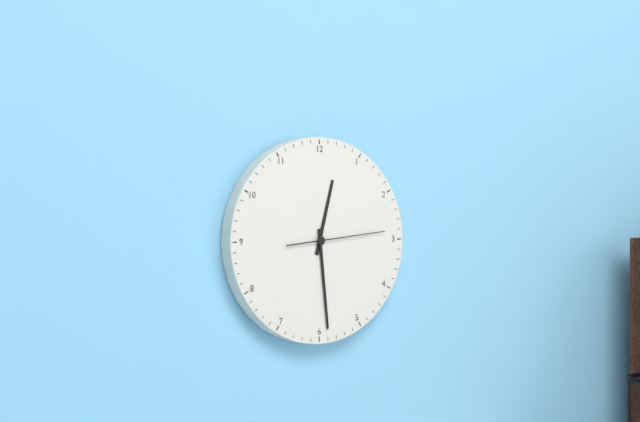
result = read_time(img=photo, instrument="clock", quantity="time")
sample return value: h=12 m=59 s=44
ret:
h=12 m=29 s=14
